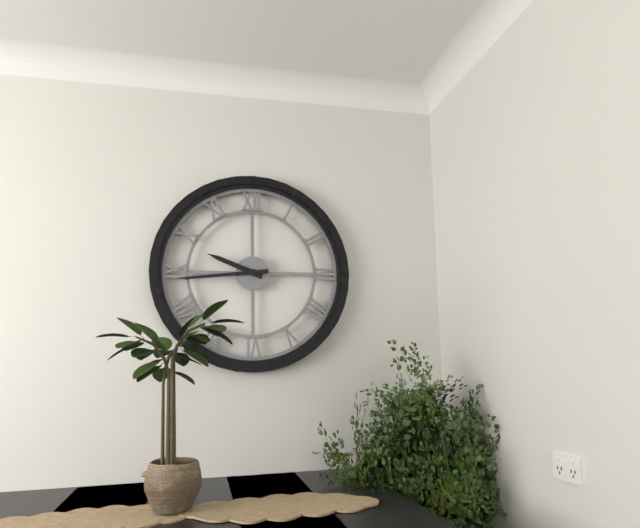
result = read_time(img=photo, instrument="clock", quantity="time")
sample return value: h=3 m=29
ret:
h=9 m=44
